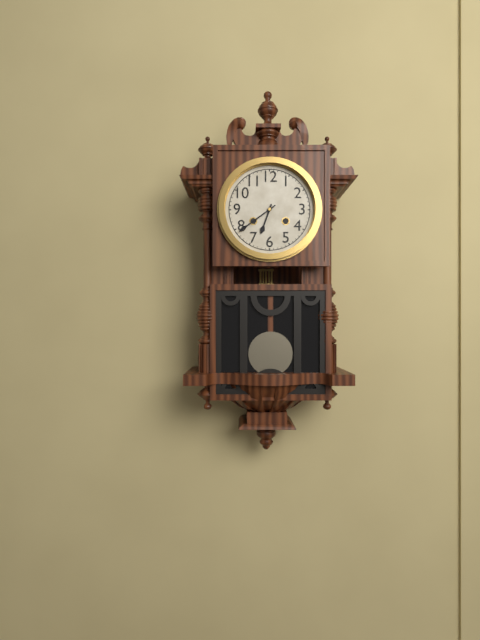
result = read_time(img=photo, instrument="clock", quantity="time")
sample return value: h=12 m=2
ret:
h=6 m=39
